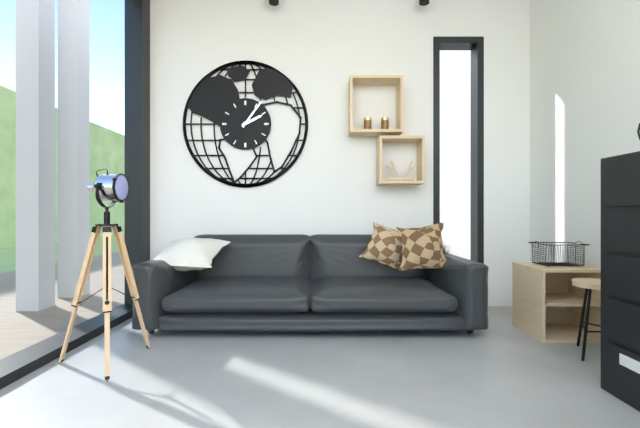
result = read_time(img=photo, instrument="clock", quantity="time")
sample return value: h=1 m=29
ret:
h=2 m=6
